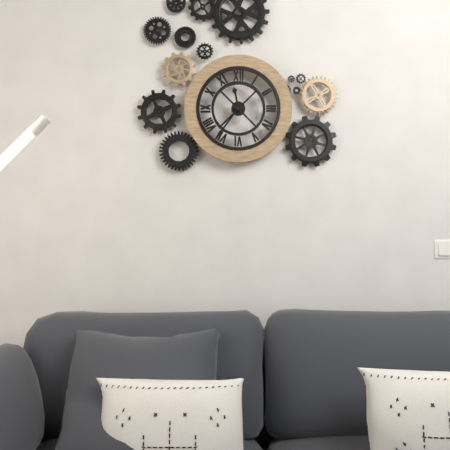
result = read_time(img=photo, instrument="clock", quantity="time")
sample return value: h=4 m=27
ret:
h=11 m=36
